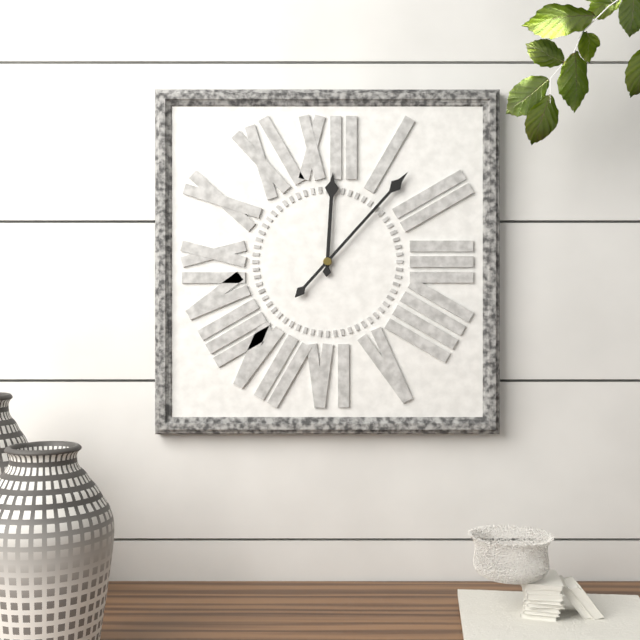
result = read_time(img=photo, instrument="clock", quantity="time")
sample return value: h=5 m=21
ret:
h=12 m=7
